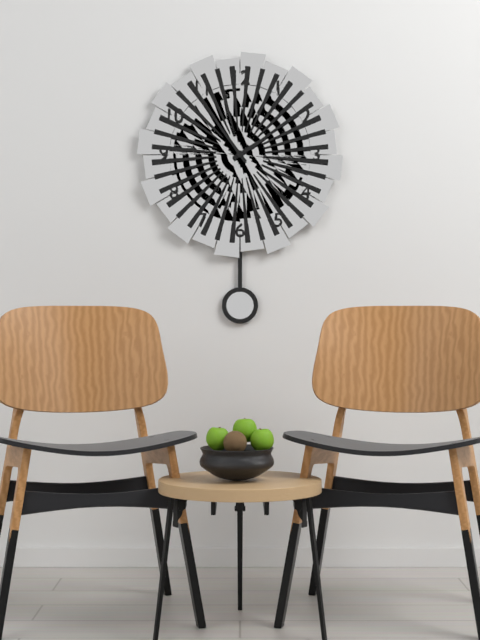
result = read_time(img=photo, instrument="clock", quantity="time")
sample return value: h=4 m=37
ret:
h=1 m=54
